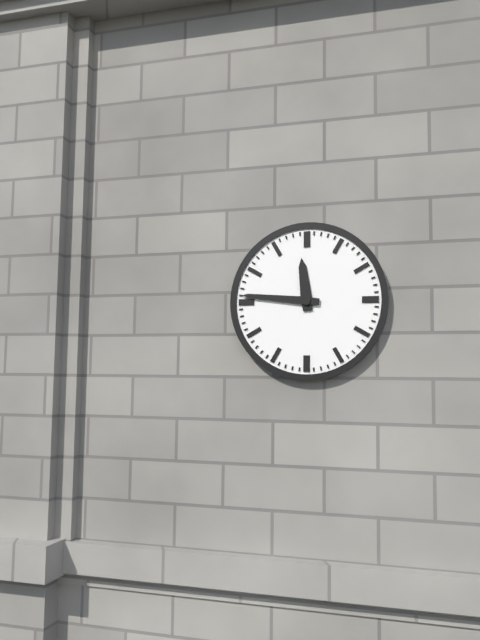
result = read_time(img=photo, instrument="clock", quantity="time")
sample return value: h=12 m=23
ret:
h=11 m=46
